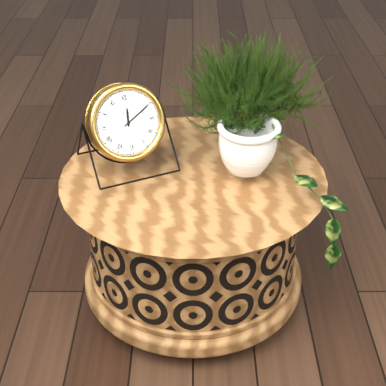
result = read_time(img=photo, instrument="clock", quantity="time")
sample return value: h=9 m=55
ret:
h=12 m=10
